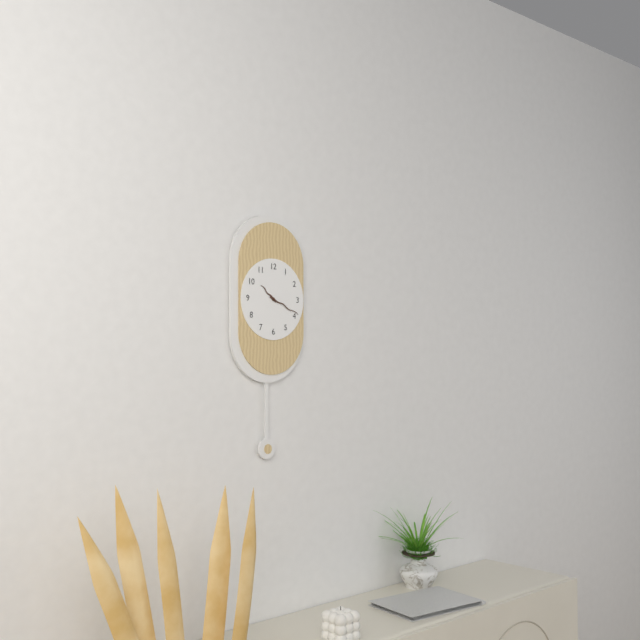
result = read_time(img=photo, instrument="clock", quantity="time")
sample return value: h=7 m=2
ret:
h=10 m=19
